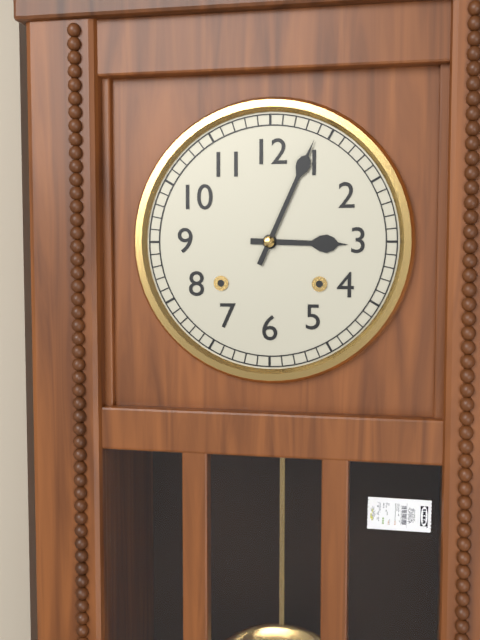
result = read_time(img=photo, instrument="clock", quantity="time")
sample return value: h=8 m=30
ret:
h=3 m=4
